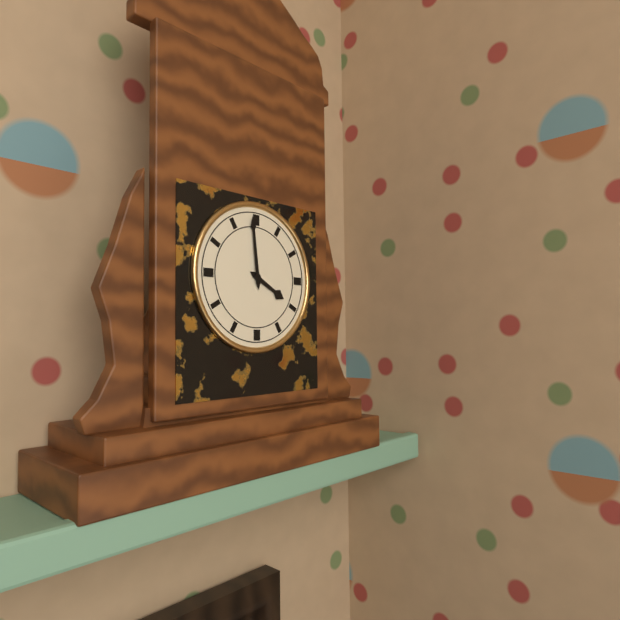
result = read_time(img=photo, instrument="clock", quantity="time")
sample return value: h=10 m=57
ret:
h=3 m=59
